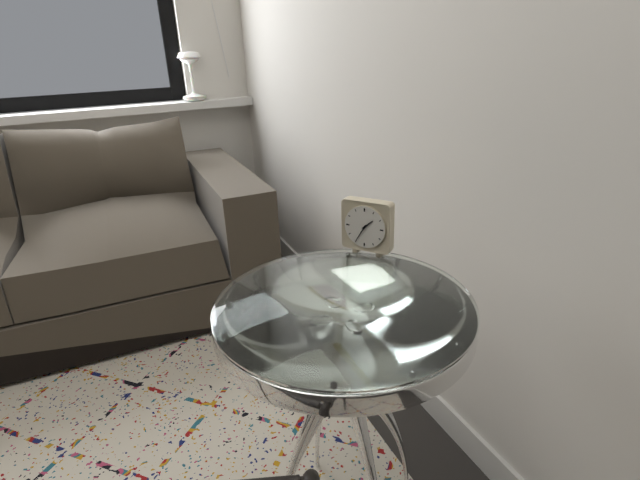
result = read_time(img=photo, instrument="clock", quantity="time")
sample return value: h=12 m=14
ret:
h=1 m=35
